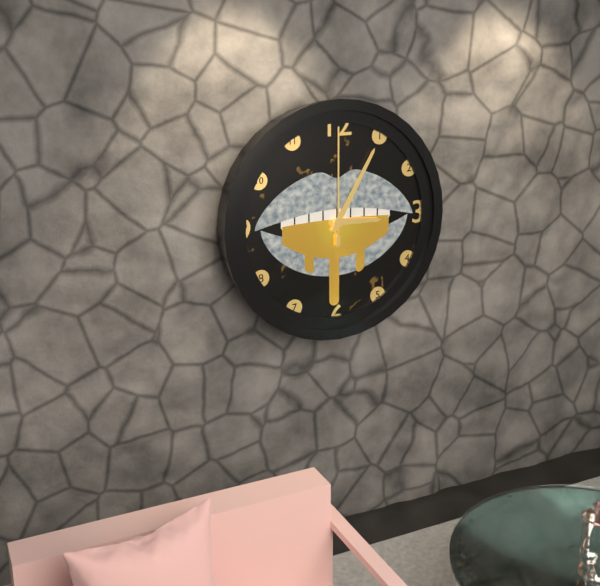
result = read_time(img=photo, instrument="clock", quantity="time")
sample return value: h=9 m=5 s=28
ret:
h=3 m=5 s=0
